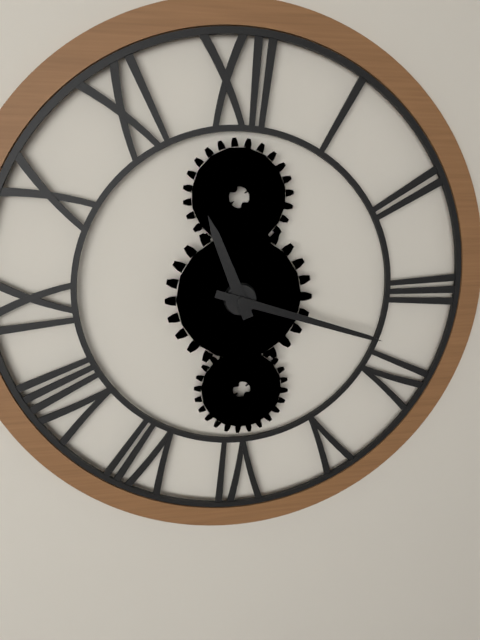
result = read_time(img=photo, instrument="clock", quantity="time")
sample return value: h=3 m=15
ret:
h=11 m=18
